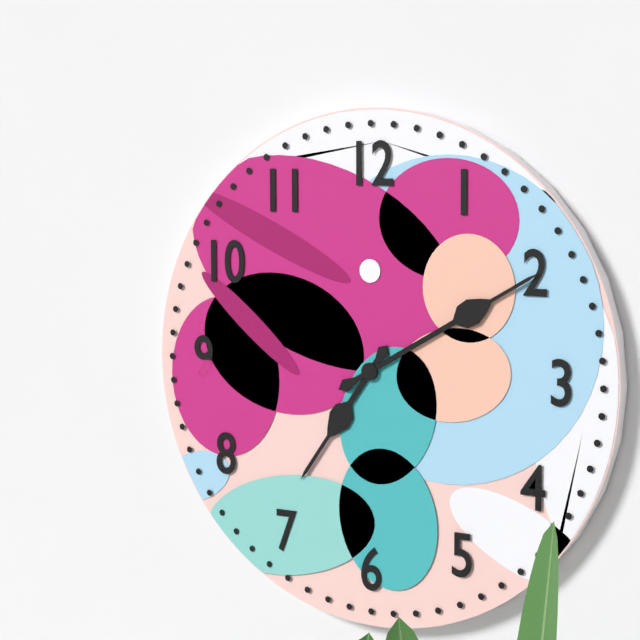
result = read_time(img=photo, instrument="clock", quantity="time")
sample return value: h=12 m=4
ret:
h=7 m=10
